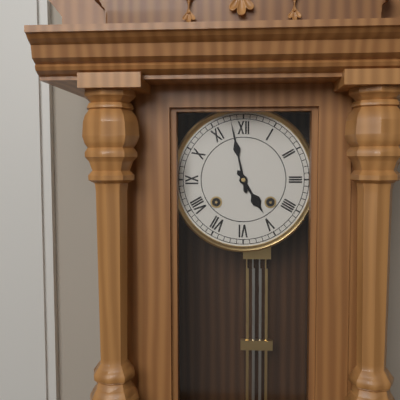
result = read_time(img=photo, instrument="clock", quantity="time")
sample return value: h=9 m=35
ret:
h=4 m=58
